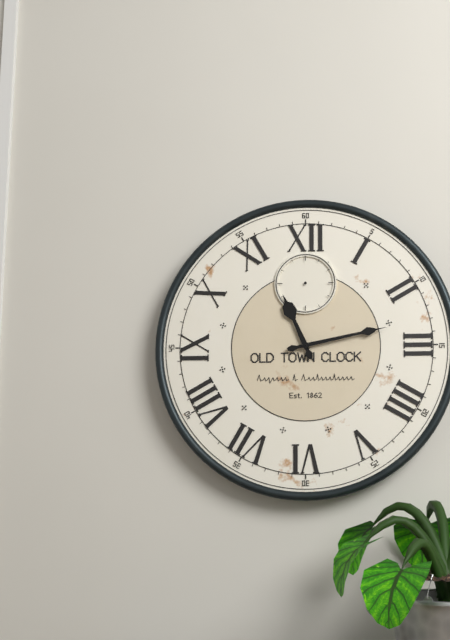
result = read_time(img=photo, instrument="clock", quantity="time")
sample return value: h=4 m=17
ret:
h=11 m=13
